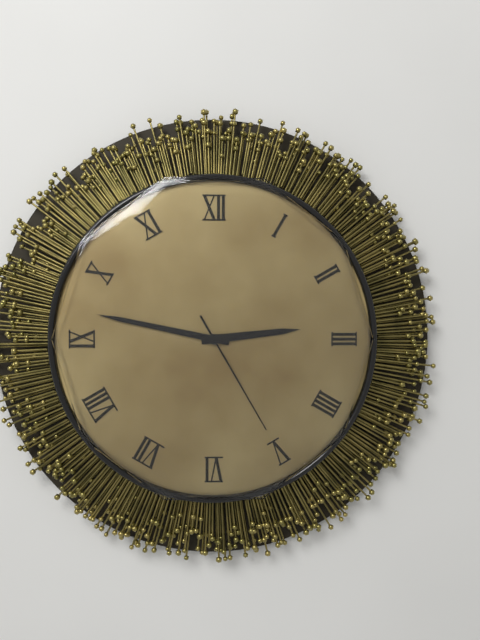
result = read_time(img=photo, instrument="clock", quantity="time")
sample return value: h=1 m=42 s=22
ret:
h=2 m=47 s=25
